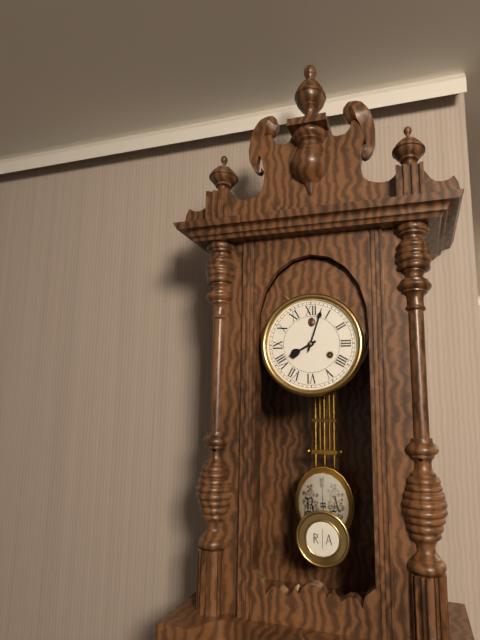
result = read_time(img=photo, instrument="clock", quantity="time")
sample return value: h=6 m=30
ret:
h=8 m=3
